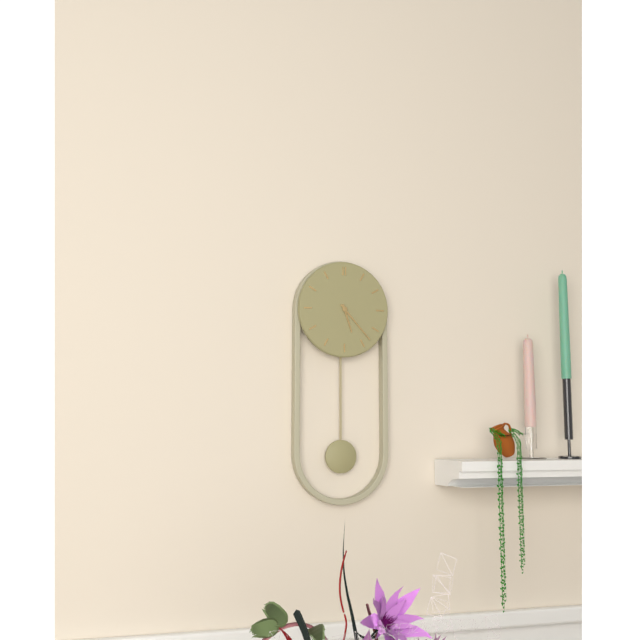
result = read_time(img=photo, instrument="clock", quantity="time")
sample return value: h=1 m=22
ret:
h=5 m=23
